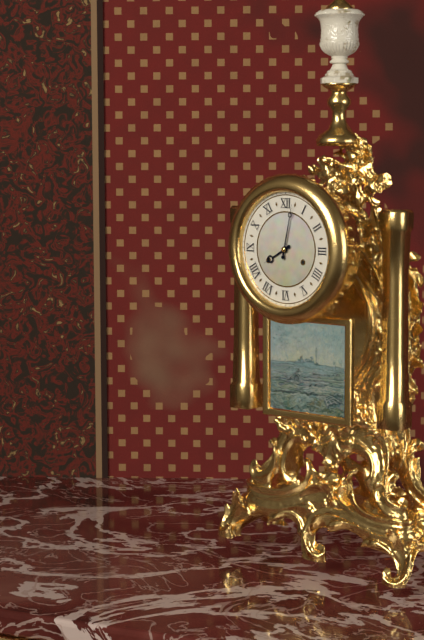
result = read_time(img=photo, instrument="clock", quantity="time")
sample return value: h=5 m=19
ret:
h=8 m=2
